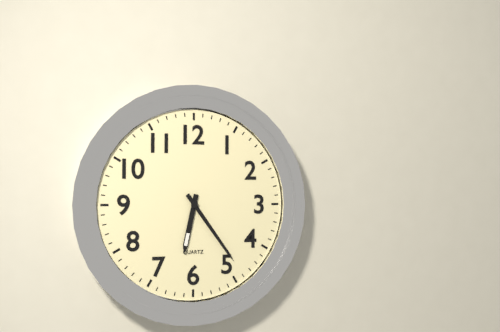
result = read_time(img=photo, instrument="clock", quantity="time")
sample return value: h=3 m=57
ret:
h=6 m=24
